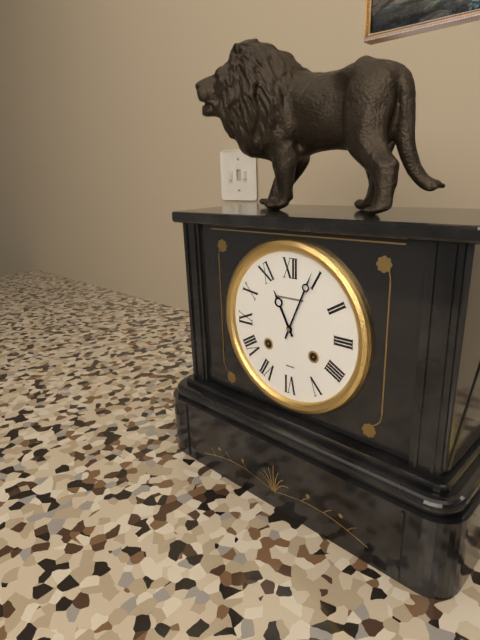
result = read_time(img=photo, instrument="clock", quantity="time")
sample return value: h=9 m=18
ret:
h=11 m=4
